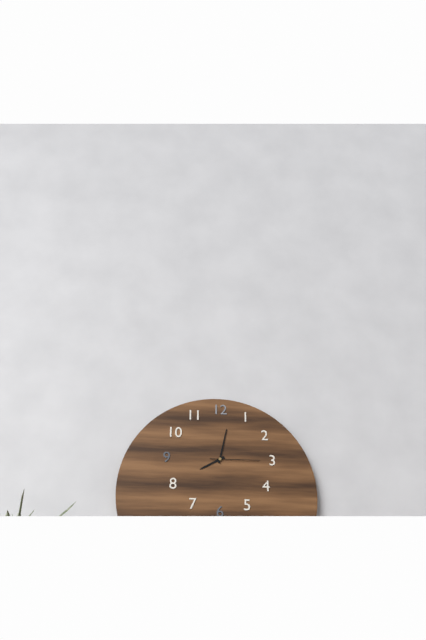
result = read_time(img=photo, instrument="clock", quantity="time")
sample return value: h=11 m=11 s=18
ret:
h=8 m=2 s=15
